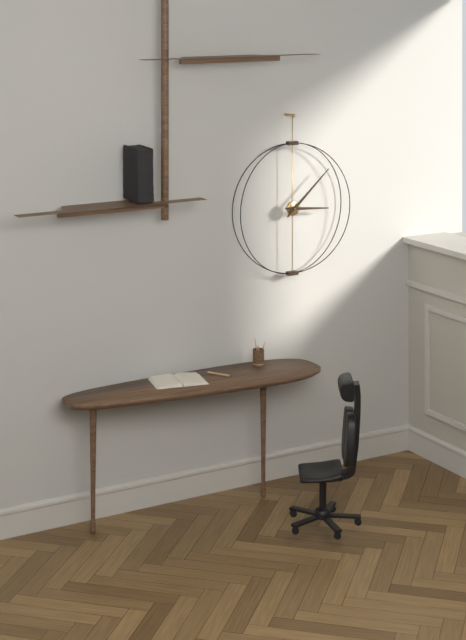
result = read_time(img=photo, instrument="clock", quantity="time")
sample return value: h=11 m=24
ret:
h=3 m=8
